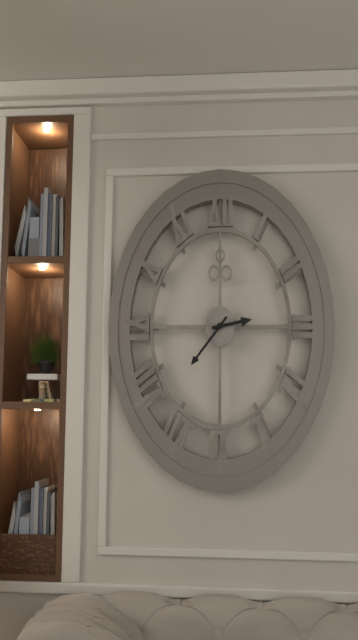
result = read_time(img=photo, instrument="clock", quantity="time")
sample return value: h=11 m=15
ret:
h=2 m=36
